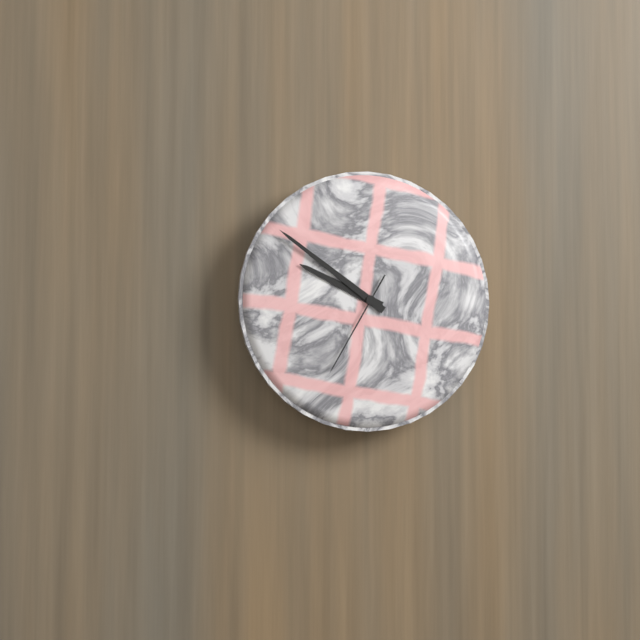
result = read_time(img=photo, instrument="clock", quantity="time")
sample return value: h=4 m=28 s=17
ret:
h=9 m=51 s=35
